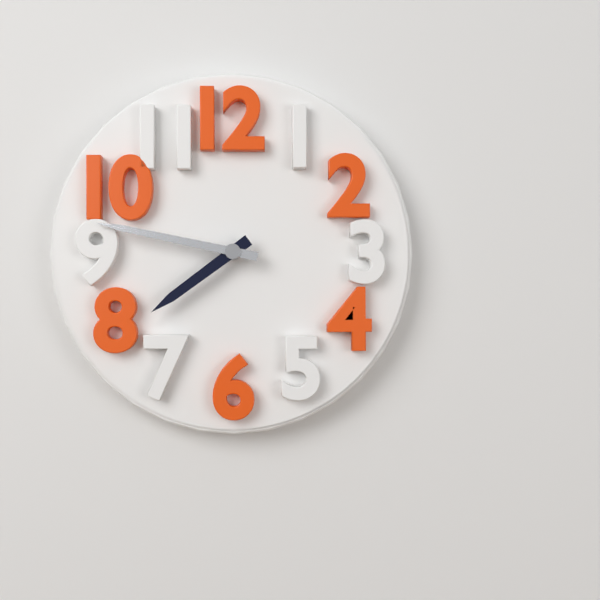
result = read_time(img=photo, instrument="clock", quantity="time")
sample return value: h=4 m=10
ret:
h=7 m=47
